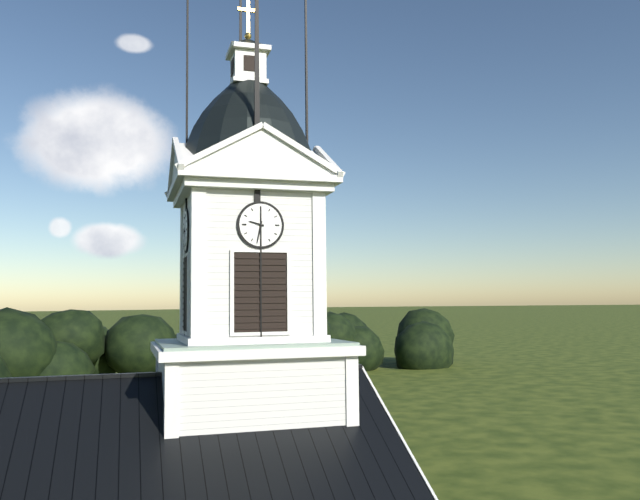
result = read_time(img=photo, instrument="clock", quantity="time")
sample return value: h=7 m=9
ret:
h=9 m=32
